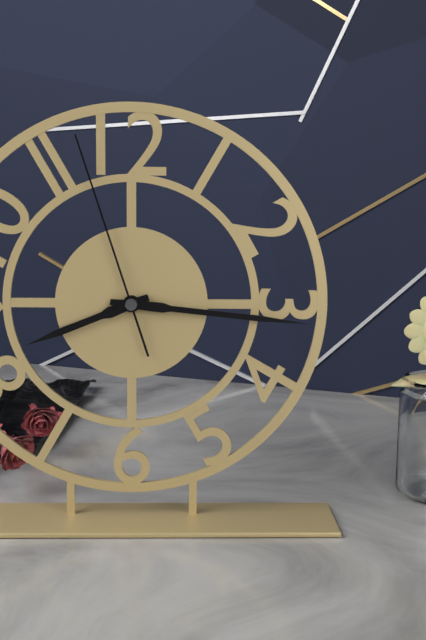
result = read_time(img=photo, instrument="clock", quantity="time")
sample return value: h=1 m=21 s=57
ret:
h=8 m=16 s=57
